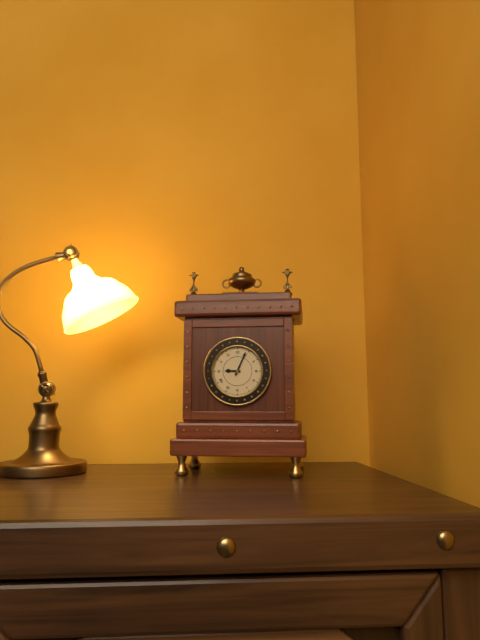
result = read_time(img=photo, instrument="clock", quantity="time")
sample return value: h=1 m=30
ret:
h=9 m=4
